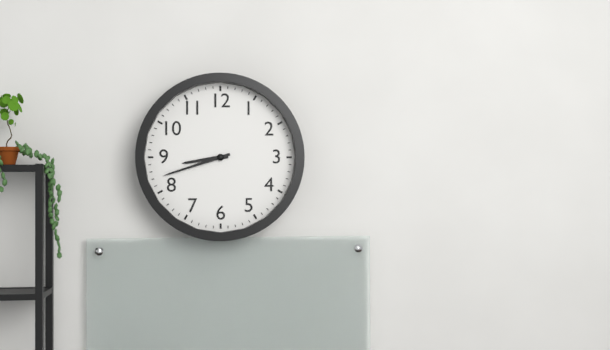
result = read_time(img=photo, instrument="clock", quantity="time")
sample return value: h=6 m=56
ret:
h=8 m=42
